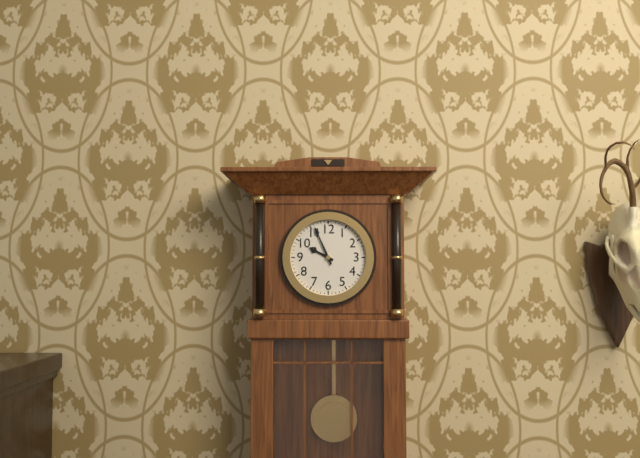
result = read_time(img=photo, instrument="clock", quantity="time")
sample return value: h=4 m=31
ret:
h=9 m=56
